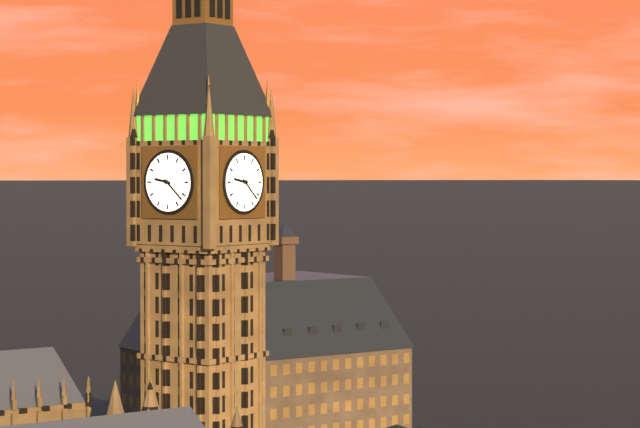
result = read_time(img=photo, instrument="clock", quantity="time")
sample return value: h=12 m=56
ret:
h=9 m=22
